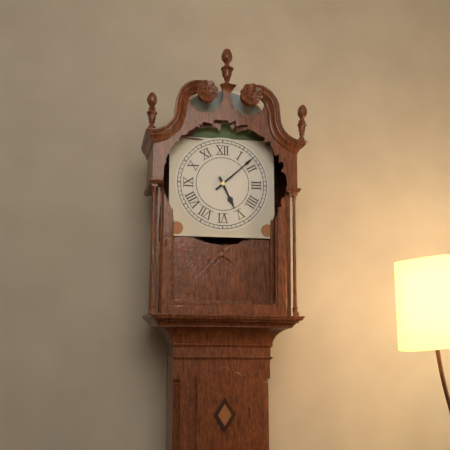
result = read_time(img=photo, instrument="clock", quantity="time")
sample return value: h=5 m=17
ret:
h=5 m=8
